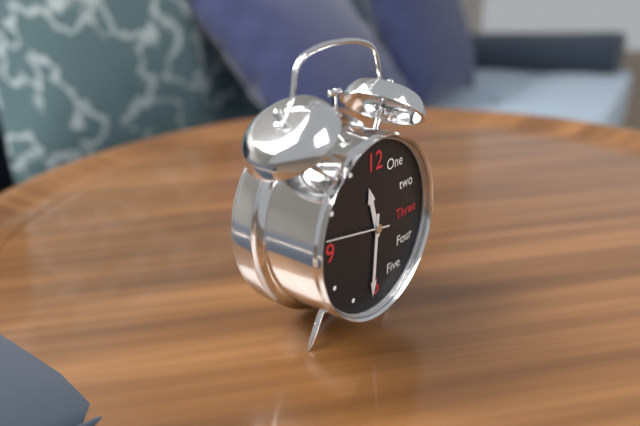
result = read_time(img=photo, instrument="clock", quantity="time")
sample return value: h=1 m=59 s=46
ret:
h=11 m=31 s=47
